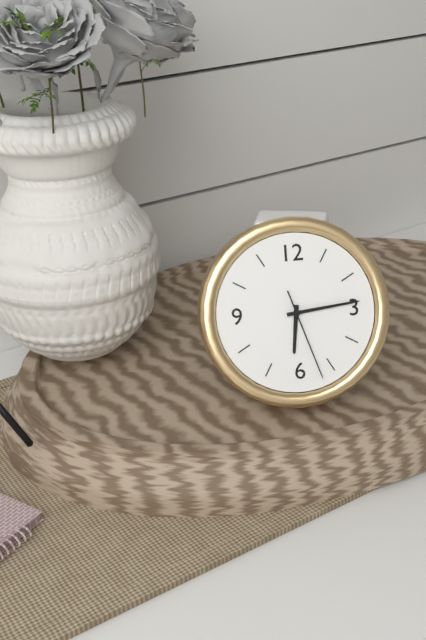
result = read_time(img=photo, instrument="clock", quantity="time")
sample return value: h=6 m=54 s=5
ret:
h=6 m=14 s=27
